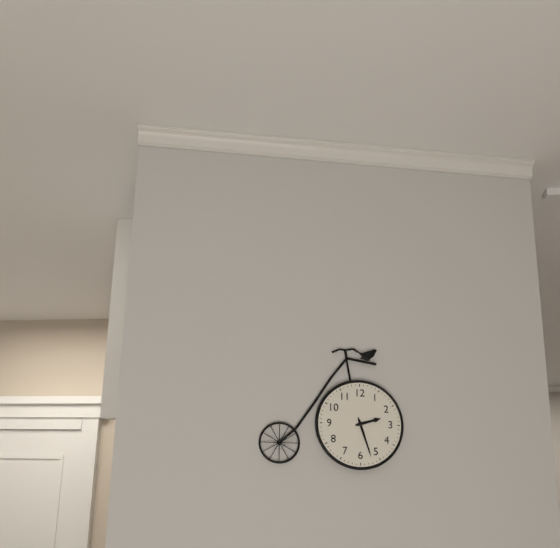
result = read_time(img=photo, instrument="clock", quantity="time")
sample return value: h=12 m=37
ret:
h=2 m=27
